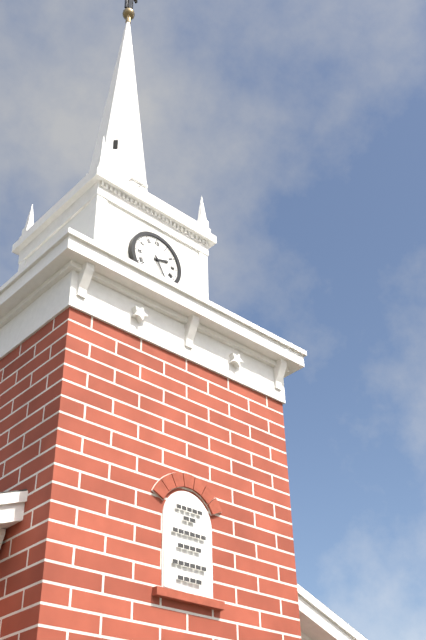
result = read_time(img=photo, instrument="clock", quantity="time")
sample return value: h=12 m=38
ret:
h=2 m=25
